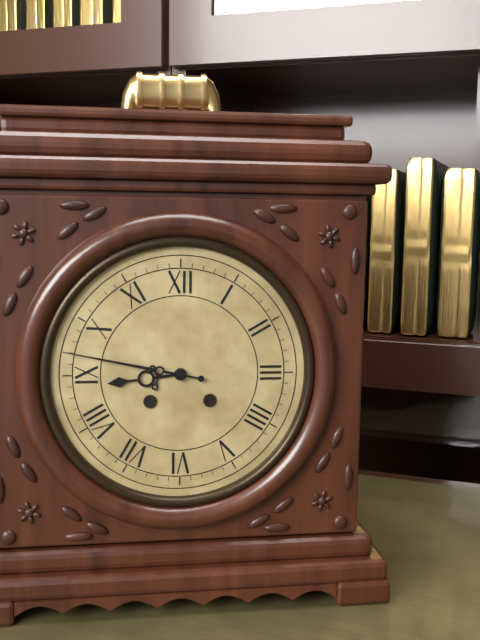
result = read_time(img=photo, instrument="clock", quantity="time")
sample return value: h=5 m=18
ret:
h=8 m=47
